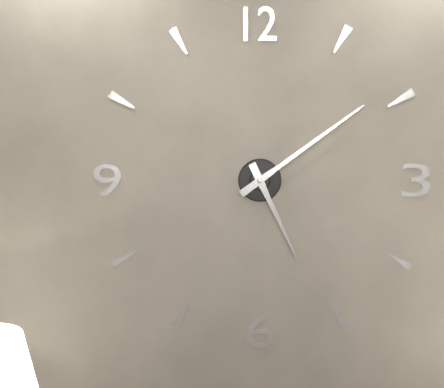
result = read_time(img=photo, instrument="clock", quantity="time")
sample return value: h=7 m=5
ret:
h=5 m=9
